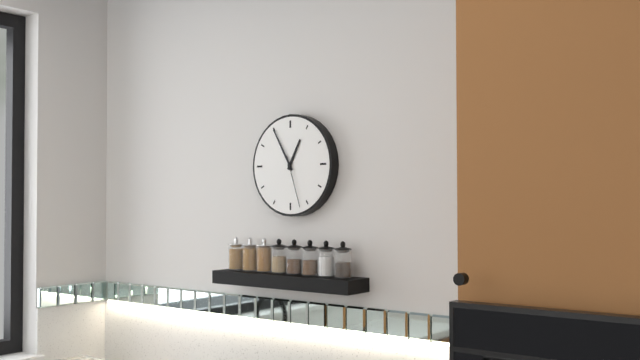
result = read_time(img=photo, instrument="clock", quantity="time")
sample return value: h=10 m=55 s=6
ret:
h=12 m=55 s=27
